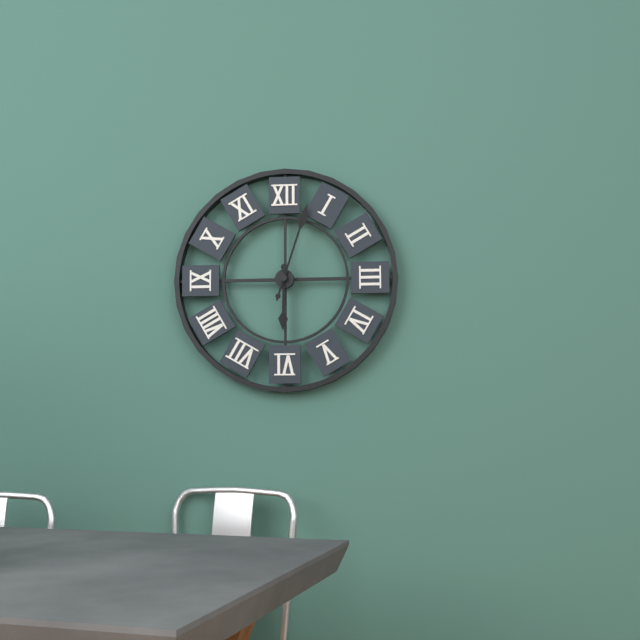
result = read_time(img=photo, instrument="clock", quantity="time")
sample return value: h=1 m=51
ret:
h=6 m=3
